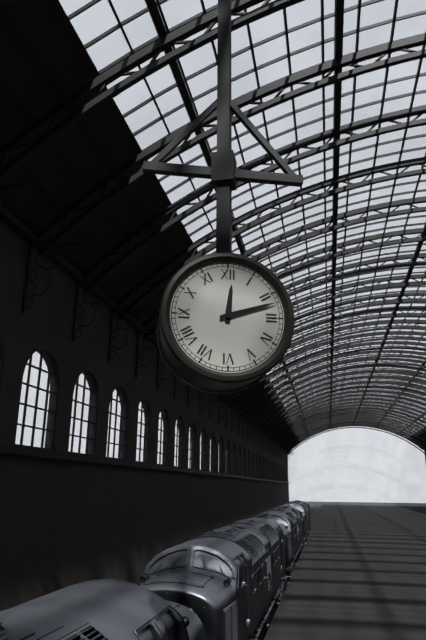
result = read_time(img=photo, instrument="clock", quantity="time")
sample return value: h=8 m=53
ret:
h=12 m=12
